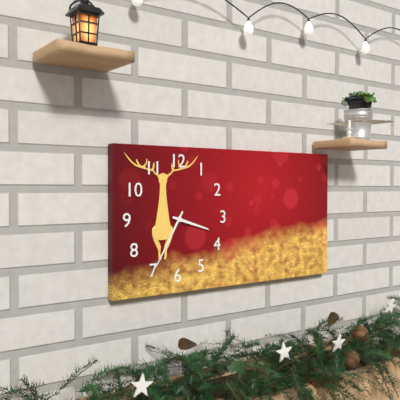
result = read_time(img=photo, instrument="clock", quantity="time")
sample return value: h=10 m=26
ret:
h=3 m=35
